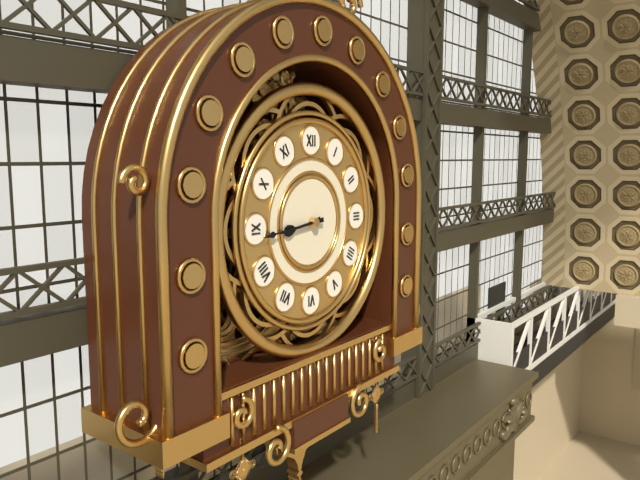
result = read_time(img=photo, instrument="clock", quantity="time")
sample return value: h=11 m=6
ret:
h=8 m=44
